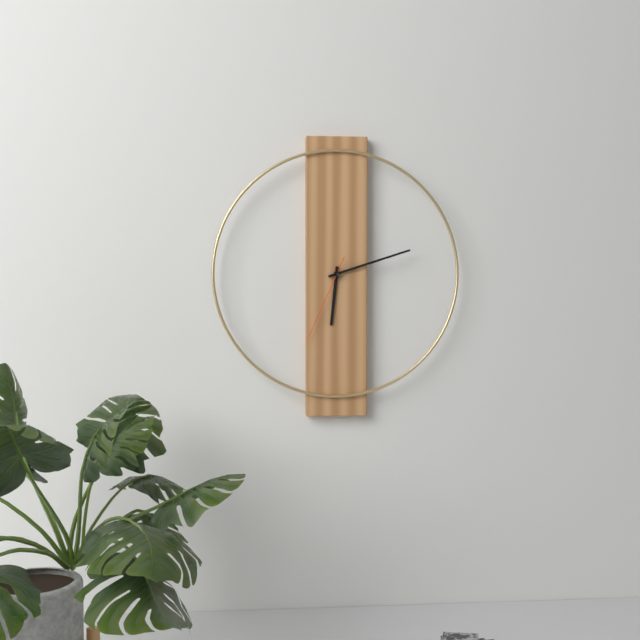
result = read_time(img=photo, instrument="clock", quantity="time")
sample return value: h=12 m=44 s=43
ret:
h=6 m=12 s=34
